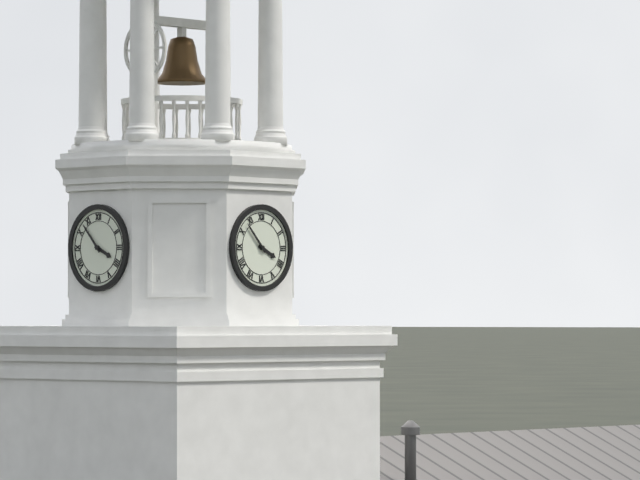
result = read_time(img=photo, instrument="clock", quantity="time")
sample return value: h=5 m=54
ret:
h=3 m=53
